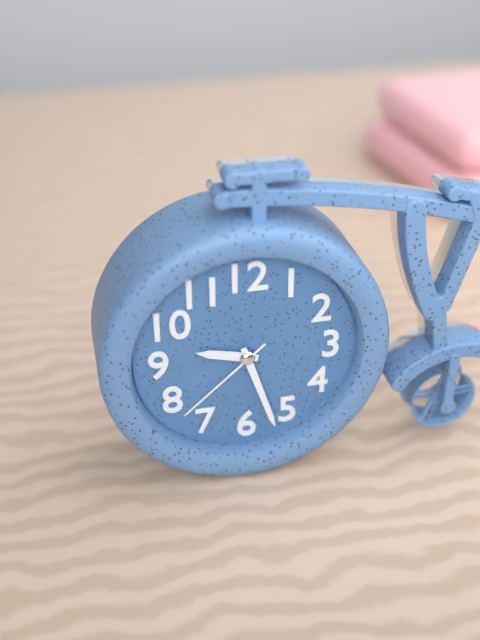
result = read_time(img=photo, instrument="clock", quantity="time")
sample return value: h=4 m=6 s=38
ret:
h=9 m=27 s=38
